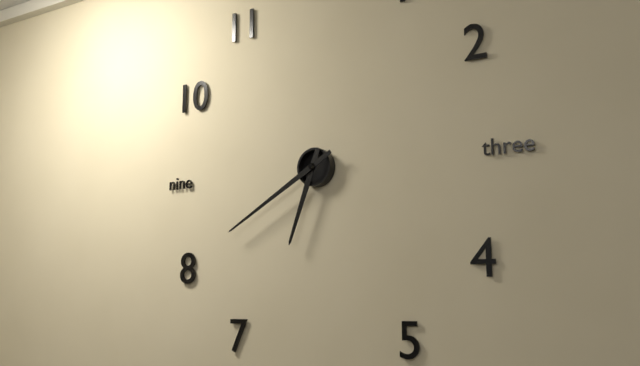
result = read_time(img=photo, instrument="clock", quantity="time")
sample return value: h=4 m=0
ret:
h=6 m=40
